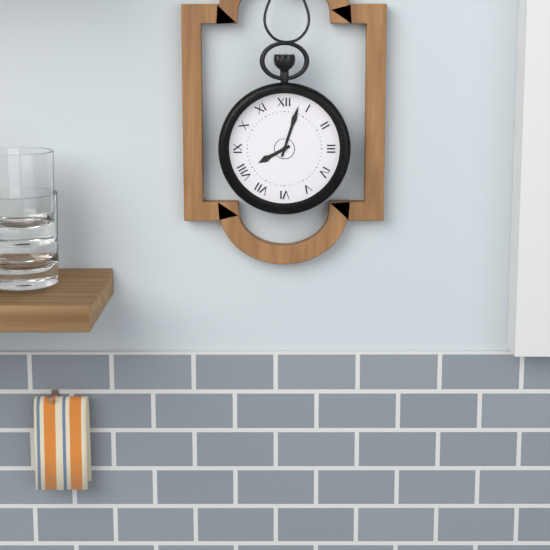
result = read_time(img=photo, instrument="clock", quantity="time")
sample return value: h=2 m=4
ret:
h=8 m=3
